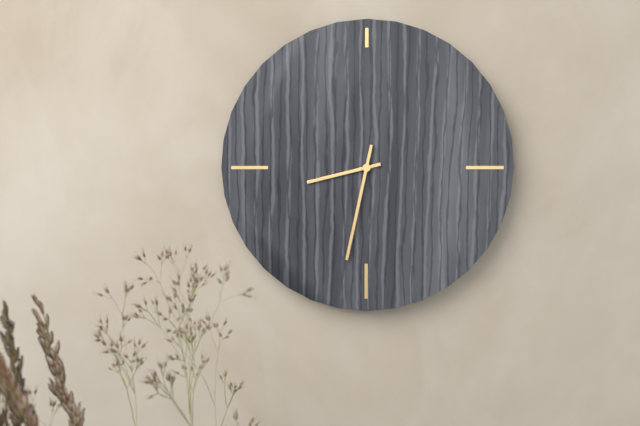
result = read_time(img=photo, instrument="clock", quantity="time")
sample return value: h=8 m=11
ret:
h=8 m=32
